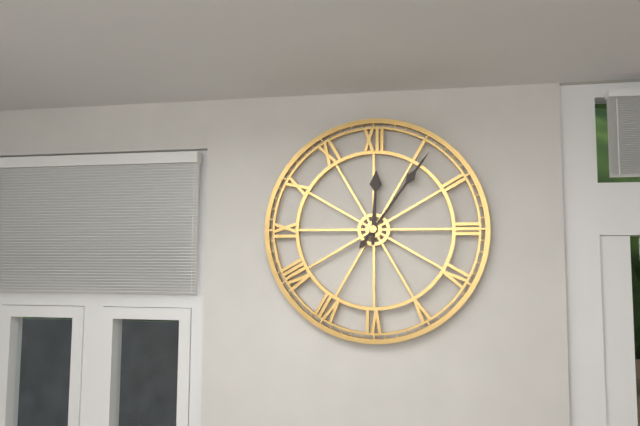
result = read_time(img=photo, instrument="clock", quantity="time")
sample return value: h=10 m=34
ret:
h=12 m=6
